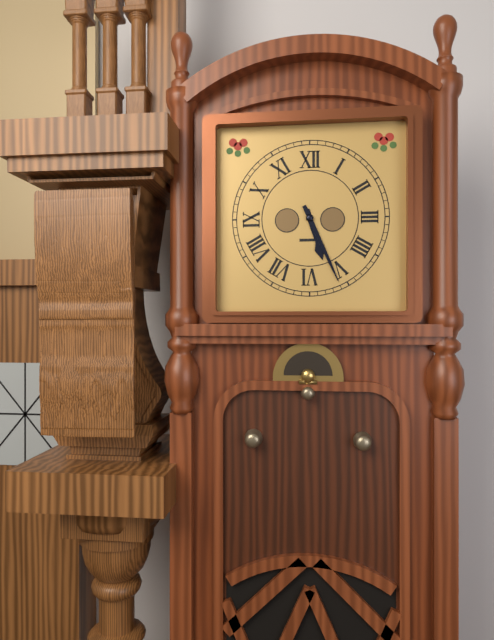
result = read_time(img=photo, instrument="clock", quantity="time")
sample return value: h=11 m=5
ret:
h=5 m=26
